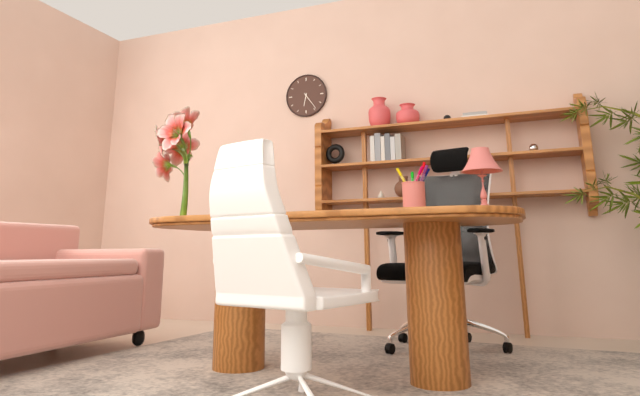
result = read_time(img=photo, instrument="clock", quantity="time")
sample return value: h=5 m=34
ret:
h=6 m=24
